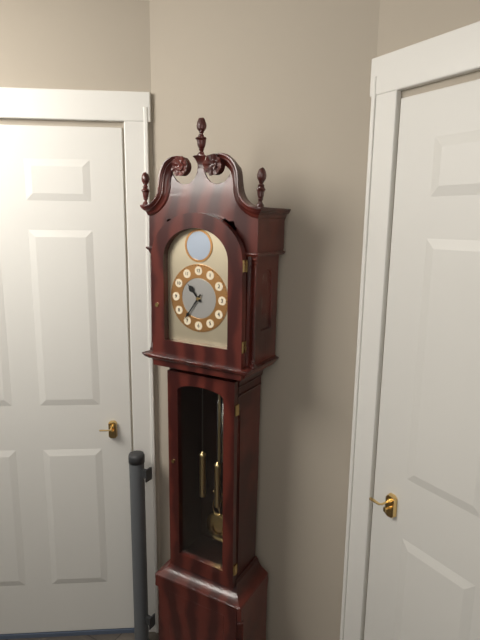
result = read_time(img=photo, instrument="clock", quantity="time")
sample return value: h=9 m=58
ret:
h=10 m=36
